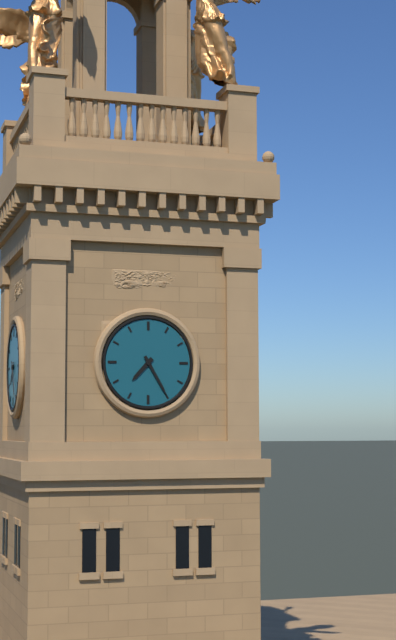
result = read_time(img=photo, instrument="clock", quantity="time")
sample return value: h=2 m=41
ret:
h=7 m=25
